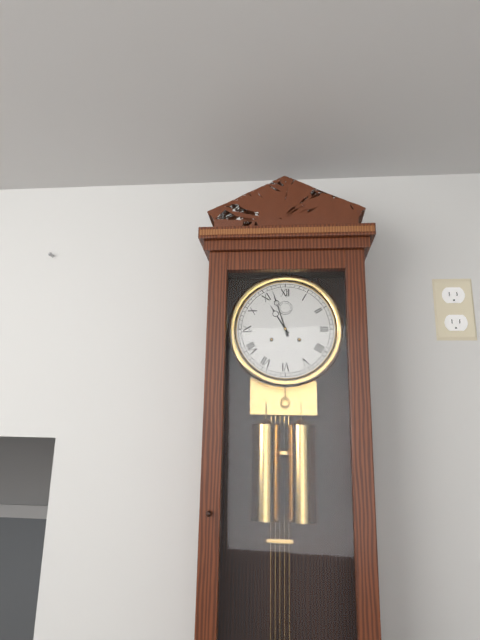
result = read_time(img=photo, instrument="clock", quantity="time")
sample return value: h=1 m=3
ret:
h=10 m=57
